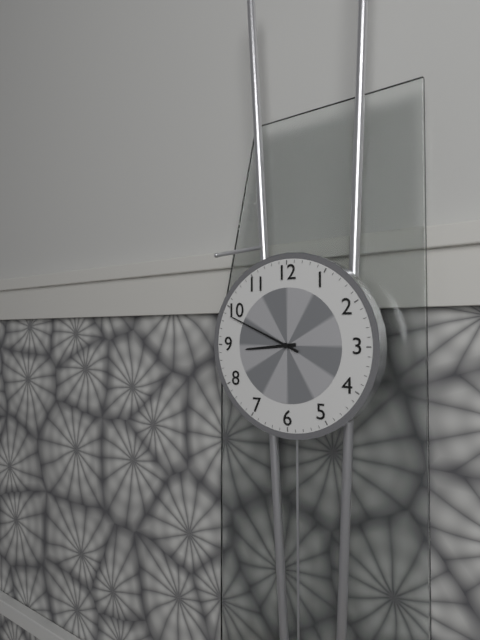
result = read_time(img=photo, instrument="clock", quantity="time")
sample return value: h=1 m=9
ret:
h=8 m=49
